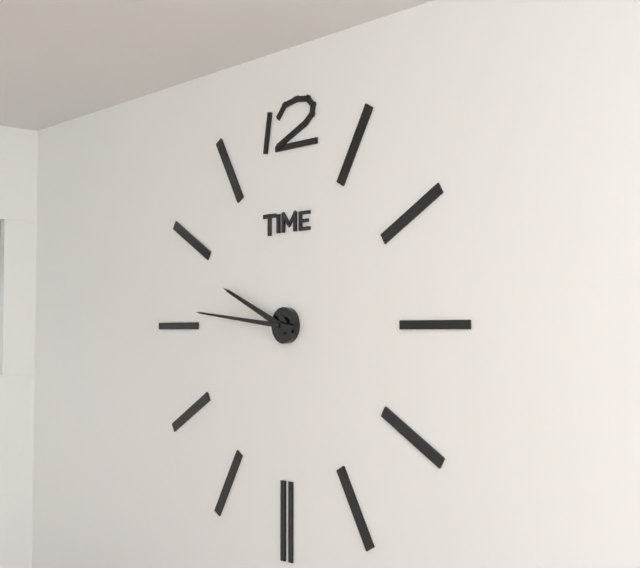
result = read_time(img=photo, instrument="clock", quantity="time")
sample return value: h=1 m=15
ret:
h=9 m=46
